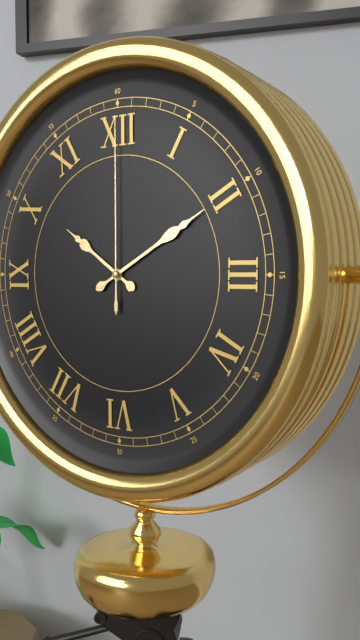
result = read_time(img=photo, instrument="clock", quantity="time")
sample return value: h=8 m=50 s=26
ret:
h=10 m=10 s=0
